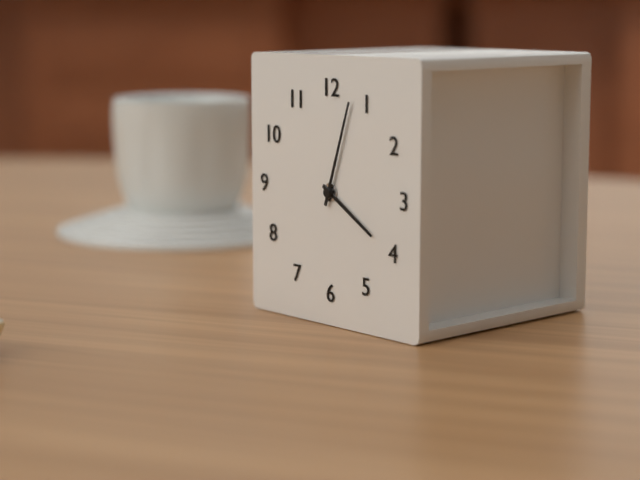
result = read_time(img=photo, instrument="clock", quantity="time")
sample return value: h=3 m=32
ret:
h=4 m=3
